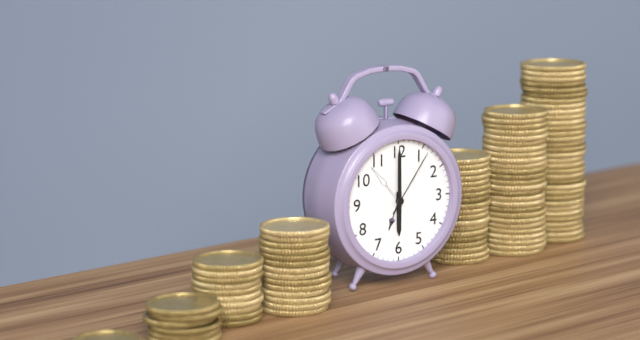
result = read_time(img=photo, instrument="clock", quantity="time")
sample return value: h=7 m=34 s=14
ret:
h=6 m=0 s=6
